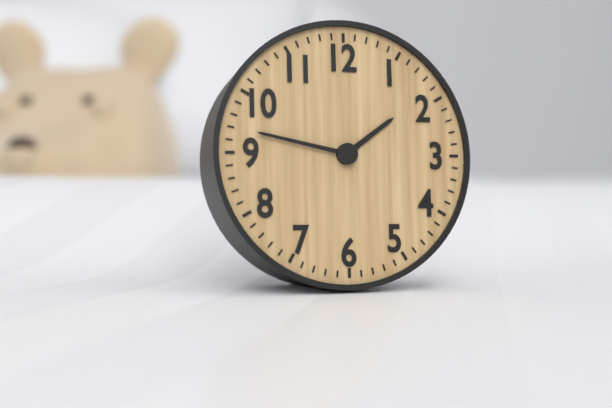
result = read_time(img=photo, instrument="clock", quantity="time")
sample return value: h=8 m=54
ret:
h=1 m=47
